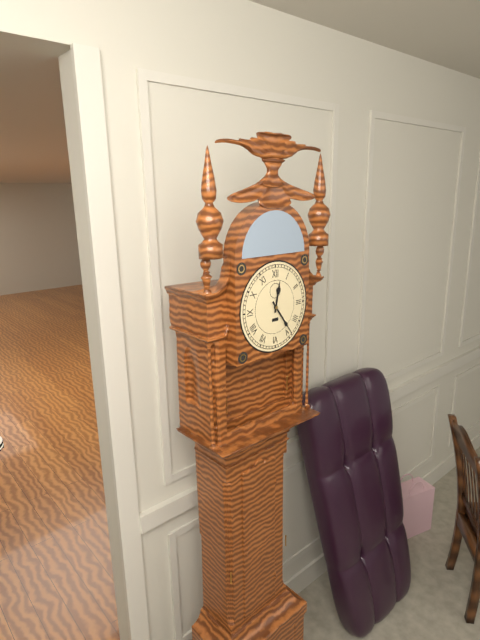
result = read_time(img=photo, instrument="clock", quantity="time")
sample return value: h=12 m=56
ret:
h=12 m=24
